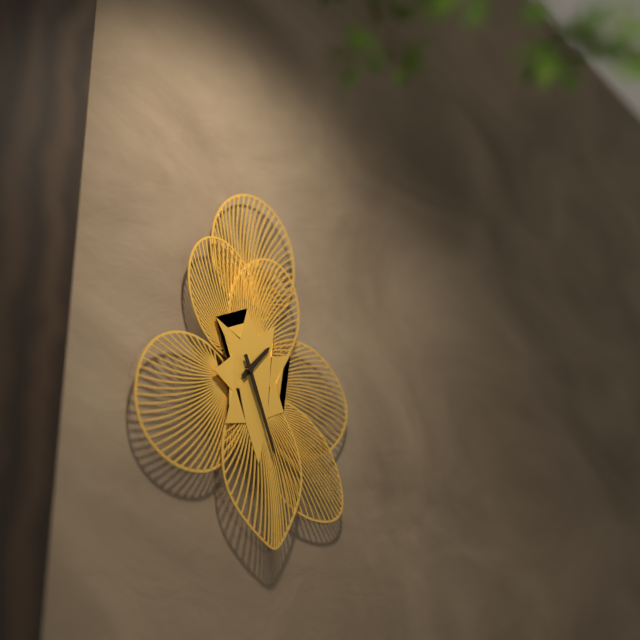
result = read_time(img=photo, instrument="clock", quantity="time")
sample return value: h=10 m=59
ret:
h=1 m=26
